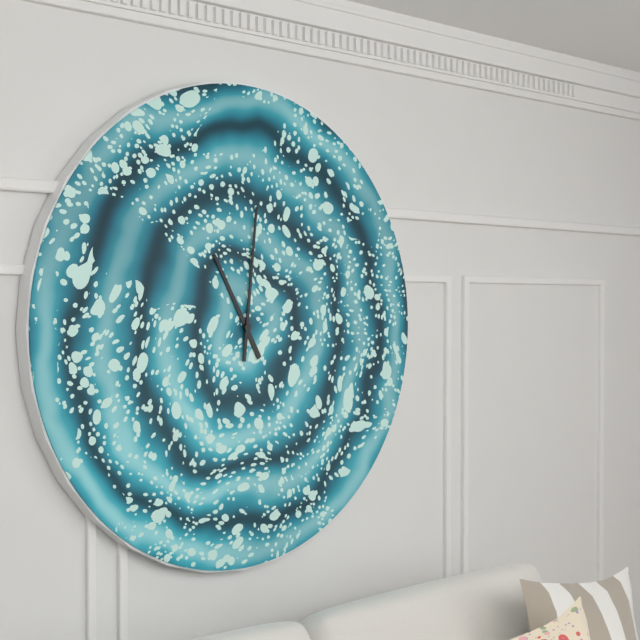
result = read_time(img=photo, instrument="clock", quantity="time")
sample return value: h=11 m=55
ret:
h=11 m=1
